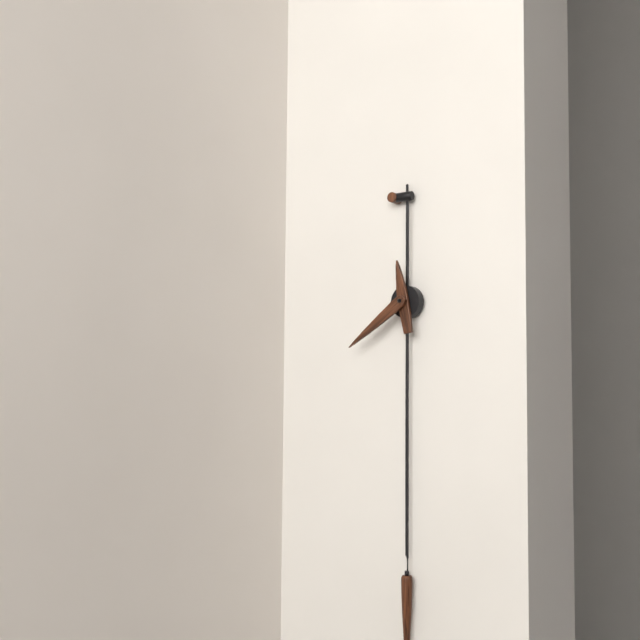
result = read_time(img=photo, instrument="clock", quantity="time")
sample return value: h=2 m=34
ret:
h=11 m=39
